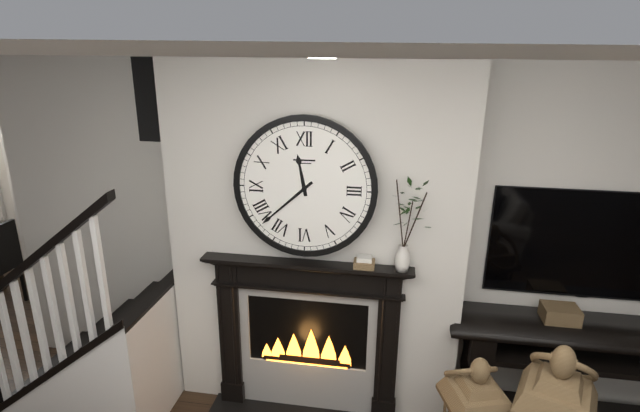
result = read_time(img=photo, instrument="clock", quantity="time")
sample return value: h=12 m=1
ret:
h=11 m=38
